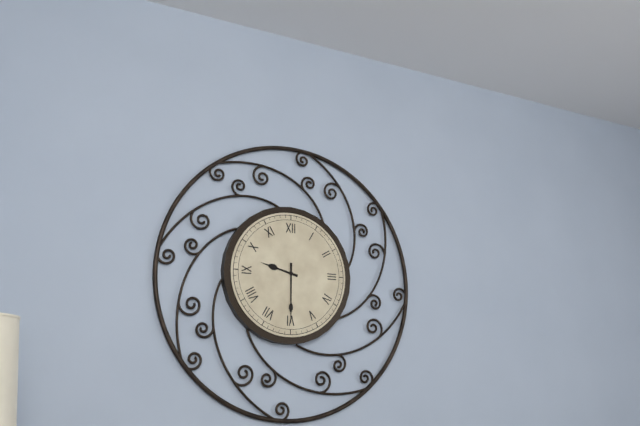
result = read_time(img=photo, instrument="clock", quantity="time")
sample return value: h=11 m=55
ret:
h=9 m=30
